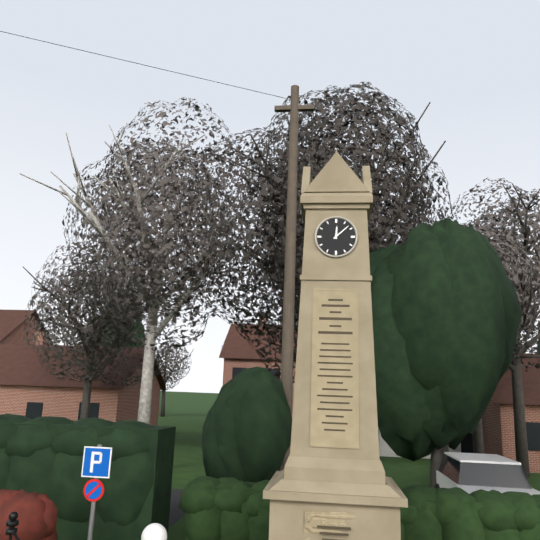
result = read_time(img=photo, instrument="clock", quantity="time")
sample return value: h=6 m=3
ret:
h=12 m=8
